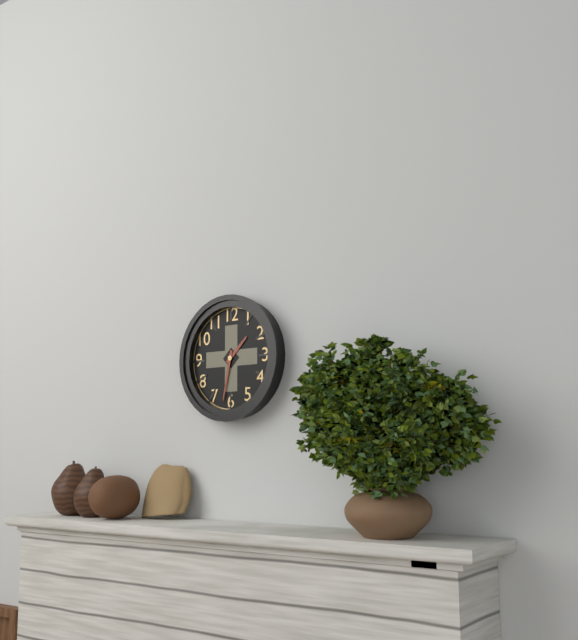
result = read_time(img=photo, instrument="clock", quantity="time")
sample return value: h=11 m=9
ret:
h=1 m=32
